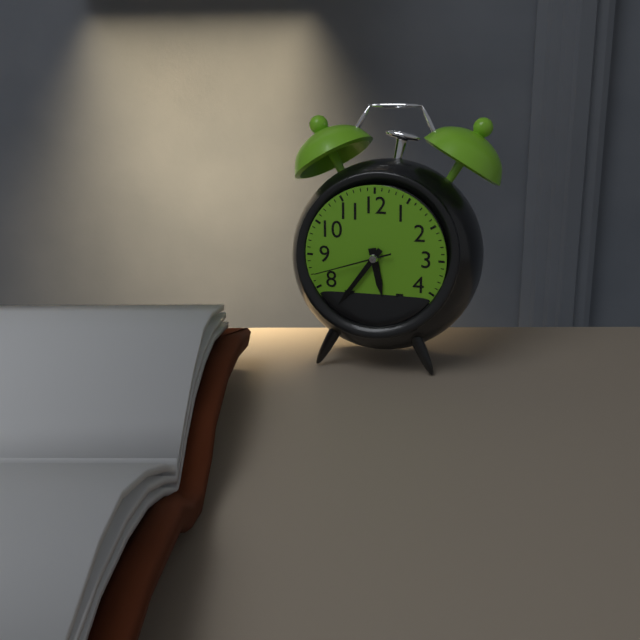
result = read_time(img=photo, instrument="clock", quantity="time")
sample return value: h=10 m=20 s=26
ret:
h=5 m=36 s=42
